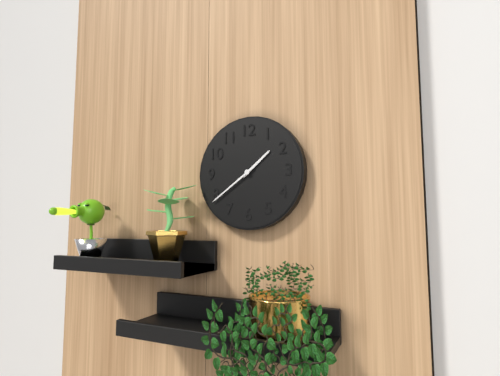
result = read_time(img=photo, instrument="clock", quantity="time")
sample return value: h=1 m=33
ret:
h=1 m=39
